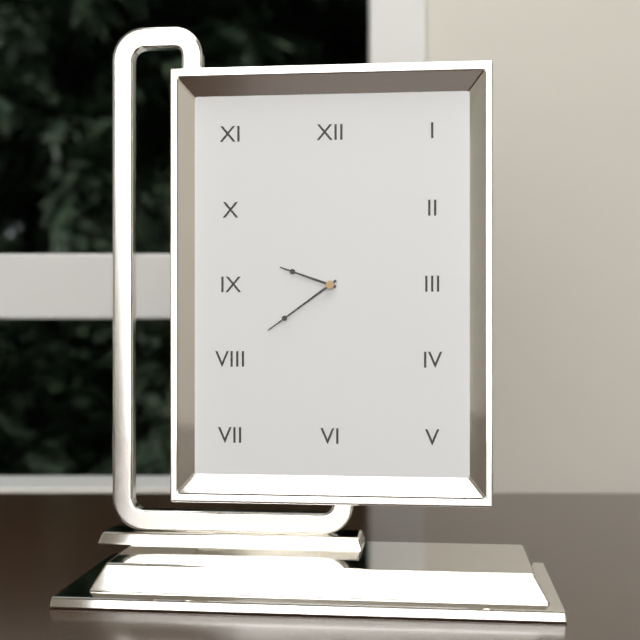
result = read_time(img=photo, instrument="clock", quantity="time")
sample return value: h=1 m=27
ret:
h=9 m=39
